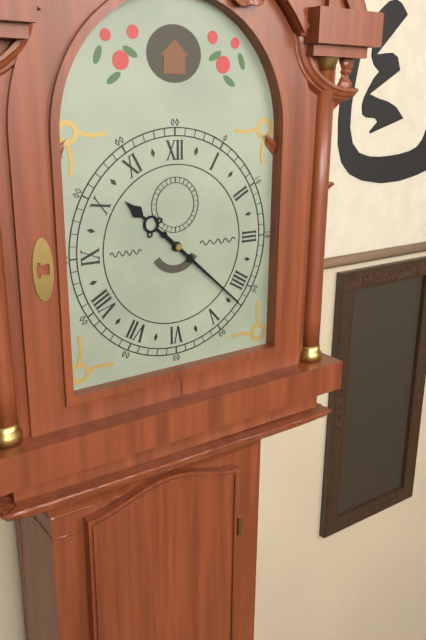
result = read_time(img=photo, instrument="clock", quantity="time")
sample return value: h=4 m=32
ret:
h=10 m=22
